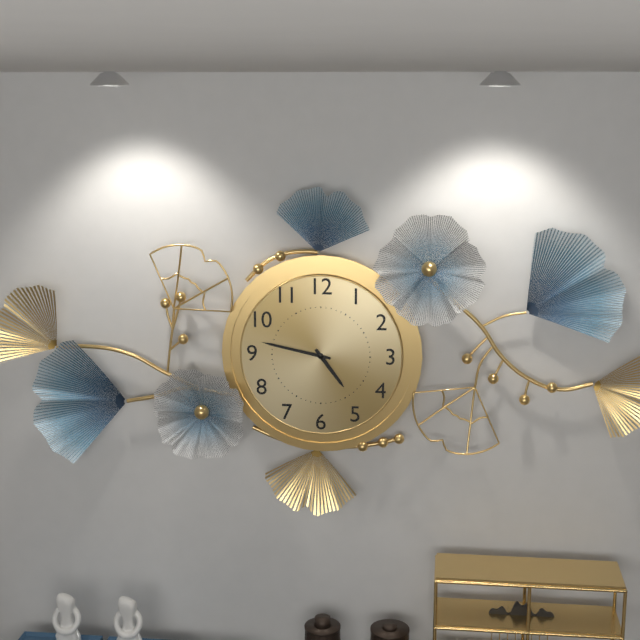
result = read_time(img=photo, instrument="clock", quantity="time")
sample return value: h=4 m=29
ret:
h=4 m=47
